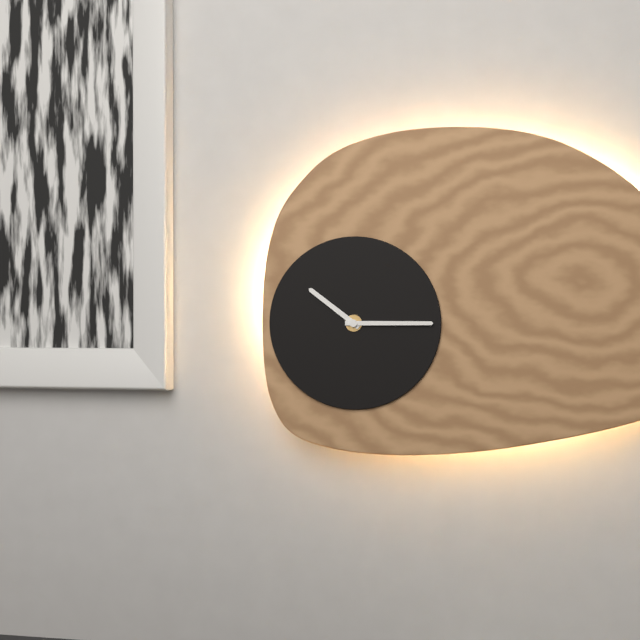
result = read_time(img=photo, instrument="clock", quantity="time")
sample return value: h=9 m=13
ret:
h=10 m=15
